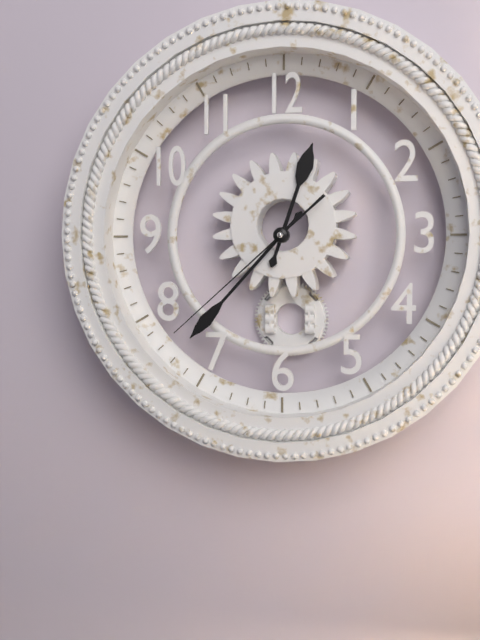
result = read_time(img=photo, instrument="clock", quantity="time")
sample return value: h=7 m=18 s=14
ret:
h=12 m=37 s=38
